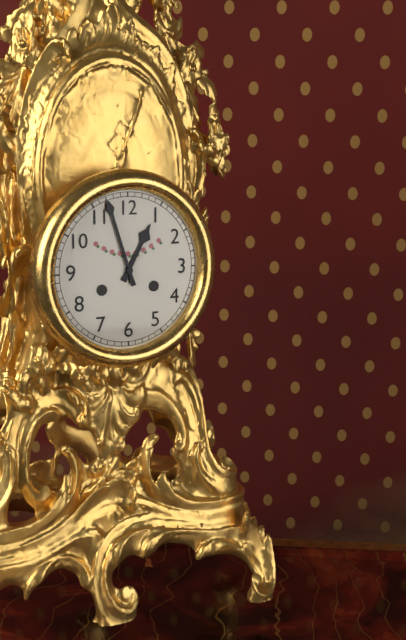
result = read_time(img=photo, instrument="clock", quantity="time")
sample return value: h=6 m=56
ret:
h=12 m=57
